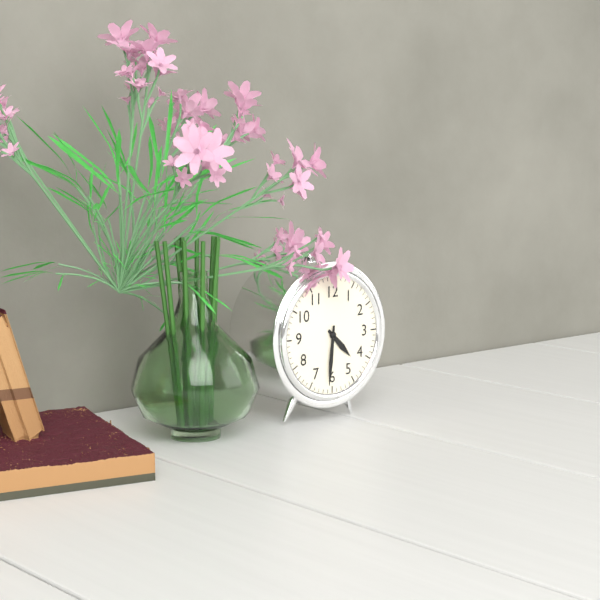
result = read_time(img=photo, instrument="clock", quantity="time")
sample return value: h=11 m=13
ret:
h=4 m=31
